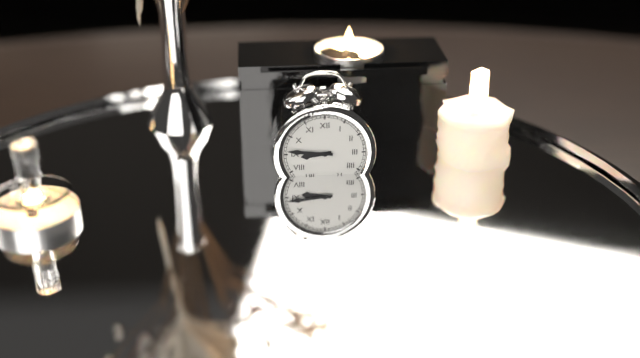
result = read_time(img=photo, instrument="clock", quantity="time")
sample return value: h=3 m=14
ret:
h=8 m=46
